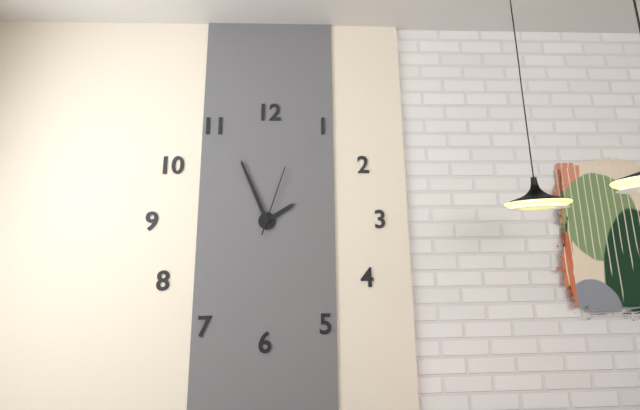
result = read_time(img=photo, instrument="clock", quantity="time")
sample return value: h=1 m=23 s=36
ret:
h=1 m=56 s=3
